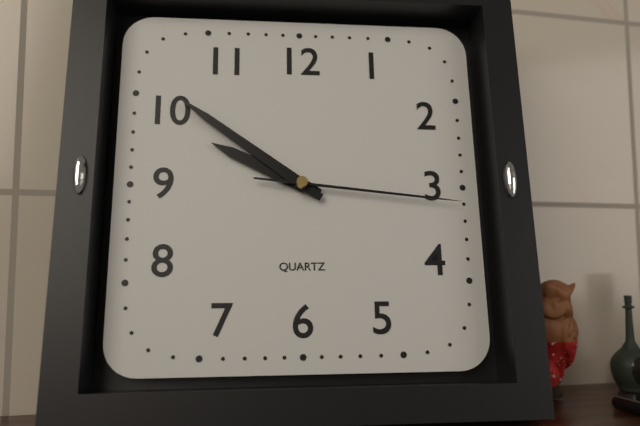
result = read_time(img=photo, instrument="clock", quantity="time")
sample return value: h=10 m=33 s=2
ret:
h=9 m=51 s=16
